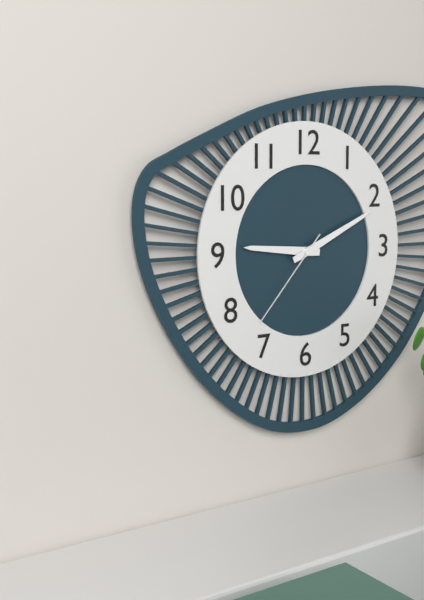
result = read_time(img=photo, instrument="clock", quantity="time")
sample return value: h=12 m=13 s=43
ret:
h=9 m=11 s=37
